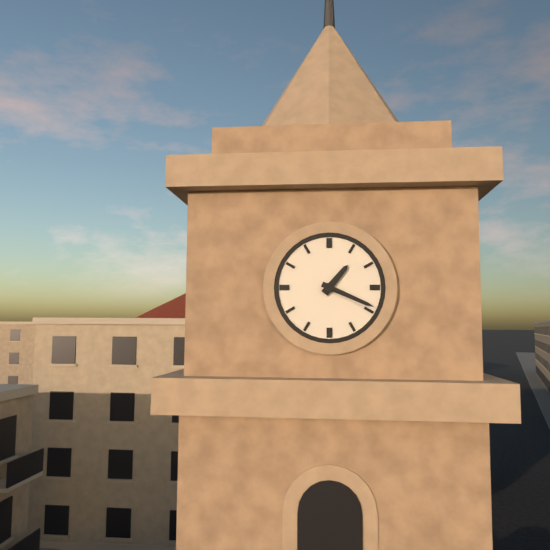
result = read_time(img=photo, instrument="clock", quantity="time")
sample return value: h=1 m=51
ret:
h=1 m=19
